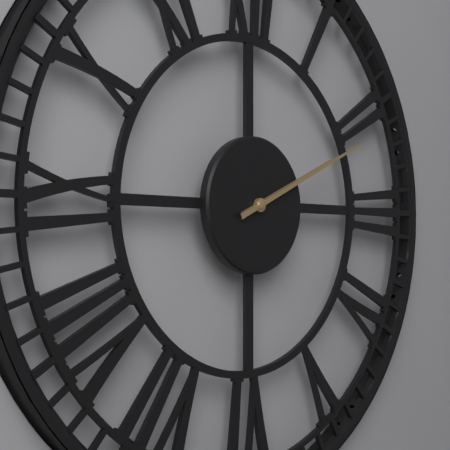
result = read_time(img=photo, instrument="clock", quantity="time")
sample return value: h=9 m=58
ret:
h=2 m=11
